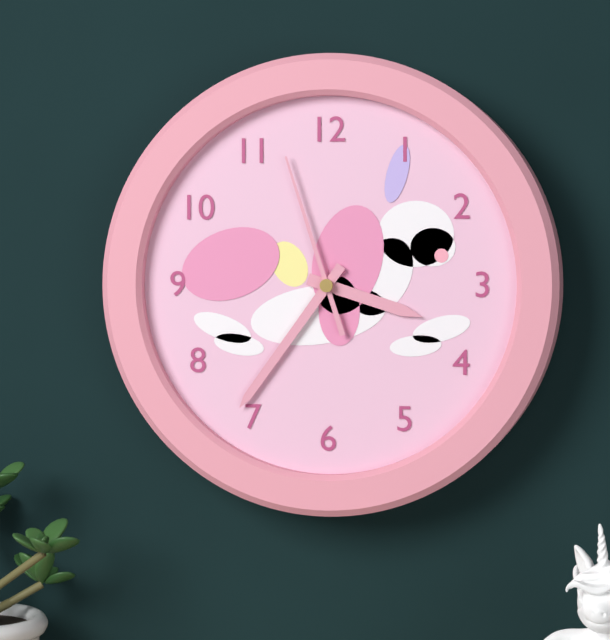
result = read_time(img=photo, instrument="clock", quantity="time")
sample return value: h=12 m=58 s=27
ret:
h=3 m=36 s=57
